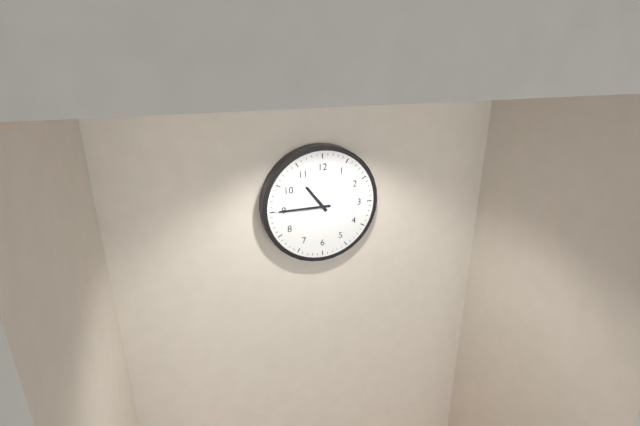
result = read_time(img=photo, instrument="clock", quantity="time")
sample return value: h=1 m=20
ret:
h=10 m=45
